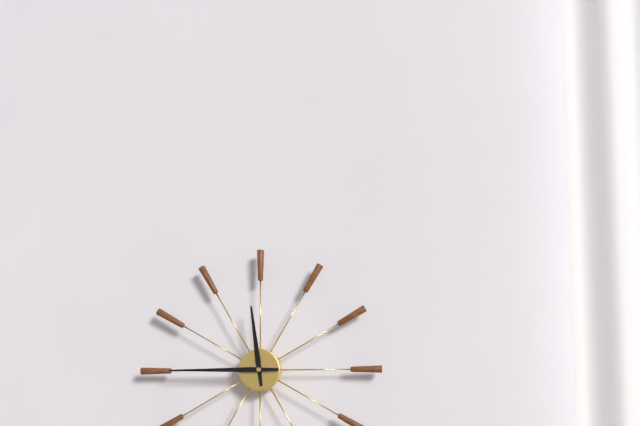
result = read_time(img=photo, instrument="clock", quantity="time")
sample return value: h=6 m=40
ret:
h=11 m=45
